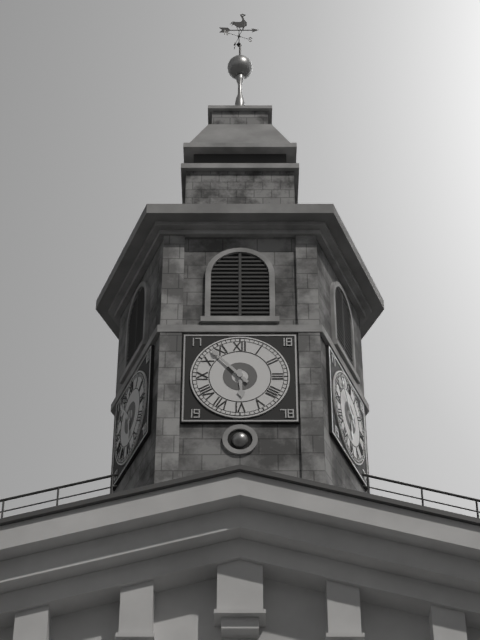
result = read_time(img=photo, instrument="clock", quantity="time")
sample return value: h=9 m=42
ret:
h=5 m=53
